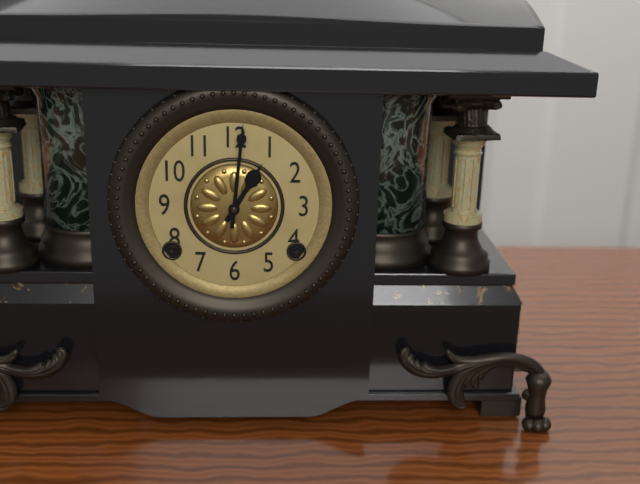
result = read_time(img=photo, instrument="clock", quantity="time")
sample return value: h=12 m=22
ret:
h=1 m=1
